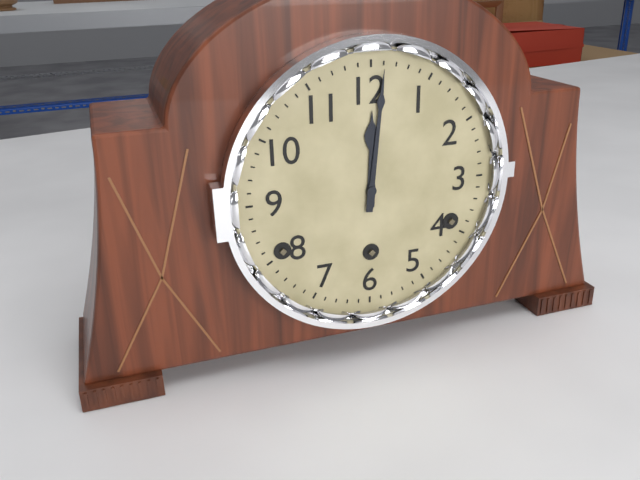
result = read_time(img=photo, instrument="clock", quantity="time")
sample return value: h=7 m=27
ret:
h=12 m=1
